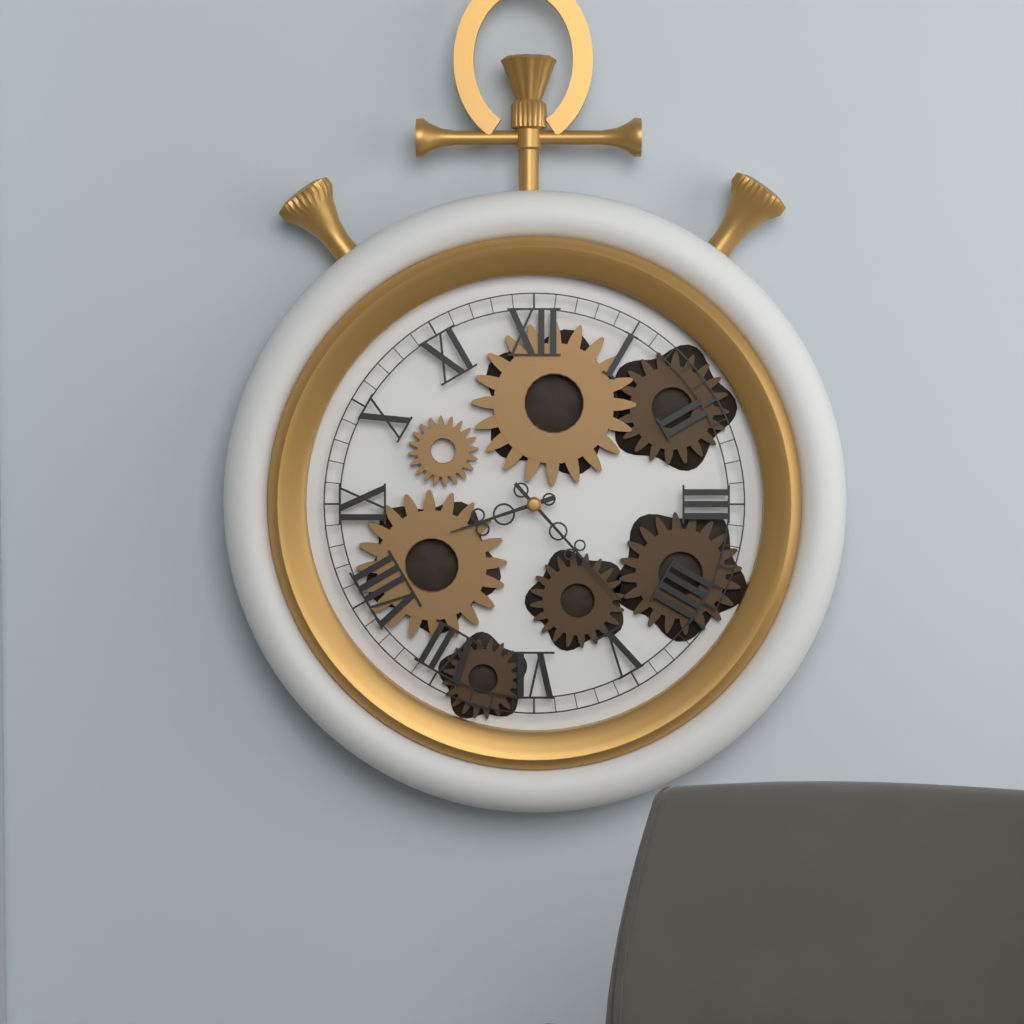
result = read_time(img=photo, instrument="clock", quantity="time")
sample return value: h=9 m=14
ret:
h=8 m=23
